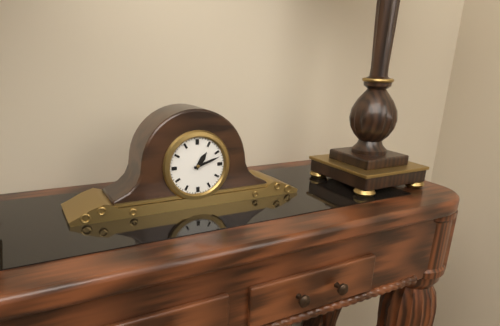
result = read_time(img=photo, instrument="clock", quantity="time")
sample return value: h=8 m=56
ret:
h=1 m=12
